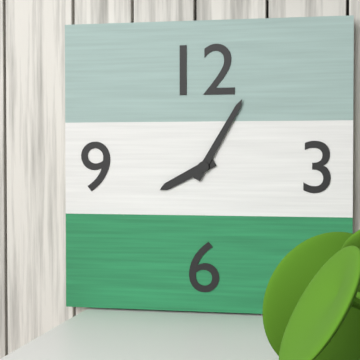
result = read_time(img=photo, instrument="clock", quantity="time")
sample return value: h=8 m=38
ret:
h=8 m=5
